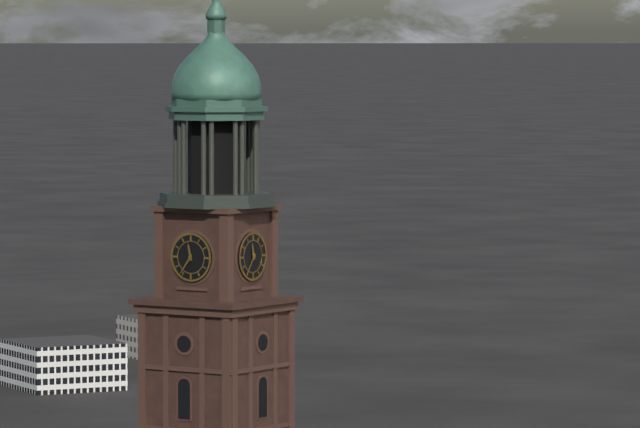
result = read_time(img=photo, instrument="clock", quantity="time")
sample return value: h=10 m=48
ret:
h=11 m=36
